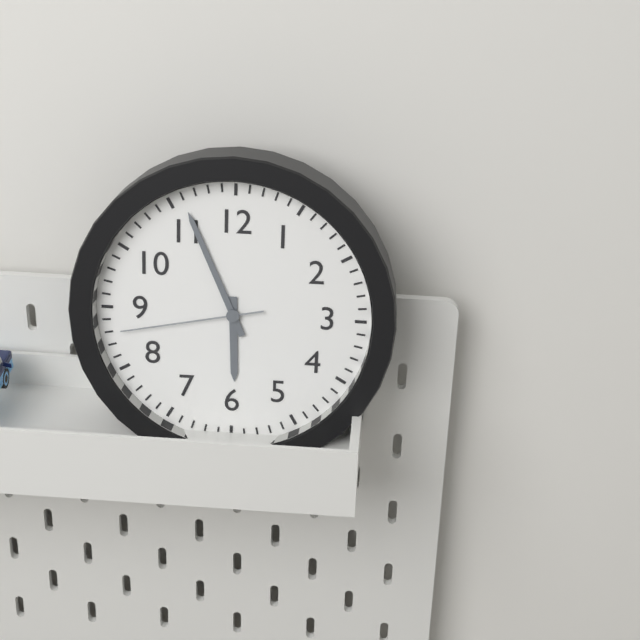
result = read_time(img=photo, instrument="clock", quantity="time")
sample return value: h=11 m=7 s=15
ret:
h=5 m=56 s=43
